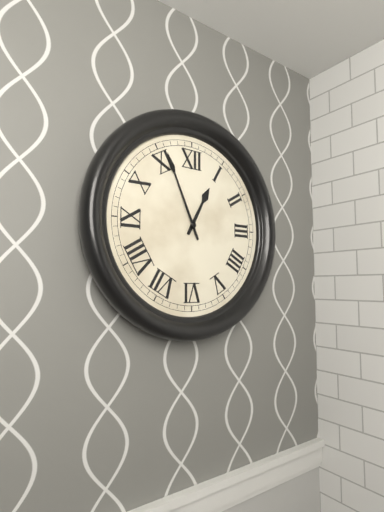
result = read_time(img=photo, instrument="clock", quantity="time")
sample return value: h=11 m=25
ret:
h=12 m=56
